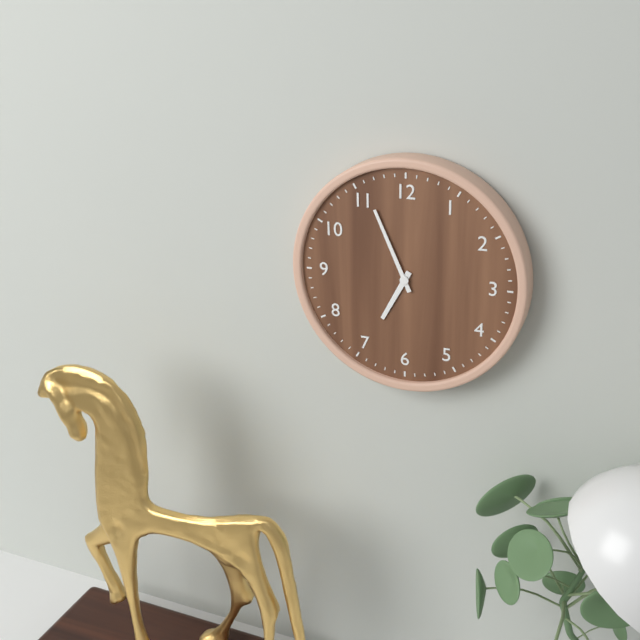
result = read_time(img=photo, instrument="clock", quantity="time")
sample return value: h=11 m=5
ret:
h=6 m=56
